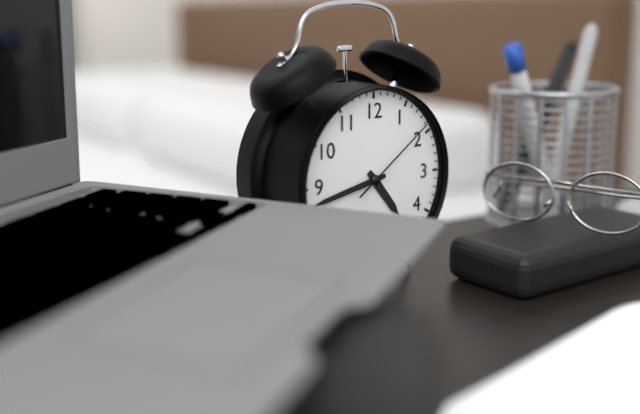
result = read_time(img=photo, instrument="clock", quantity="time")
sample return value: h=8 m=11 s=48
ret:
h=4 m=43 s=9
